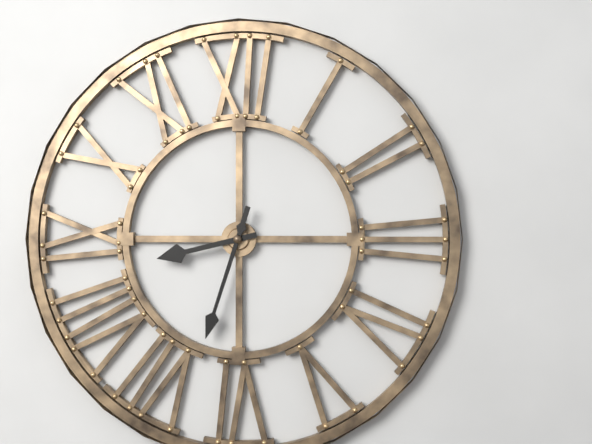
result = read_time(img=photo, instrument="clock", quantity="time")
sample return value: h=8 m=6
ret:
h=8 m=33
